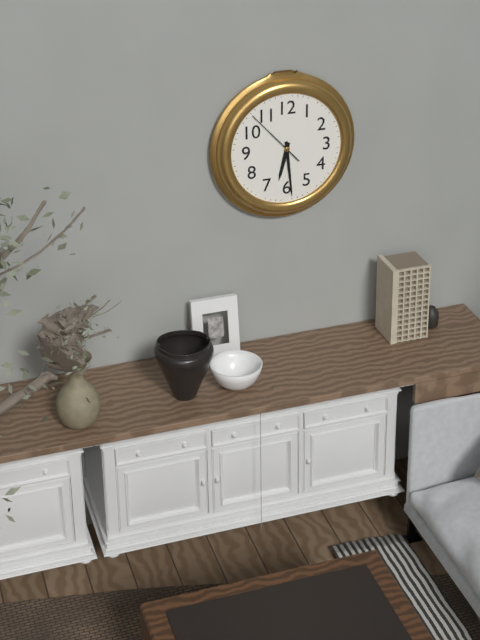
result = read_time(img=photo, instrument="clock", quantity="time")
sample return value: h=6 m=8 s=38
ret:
h=6 m=29 s=53
